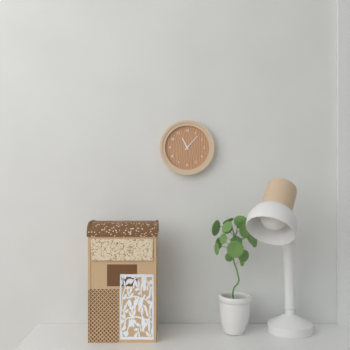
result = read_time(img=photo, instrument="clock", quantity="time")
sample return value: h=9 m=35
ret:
h=11 m=7
